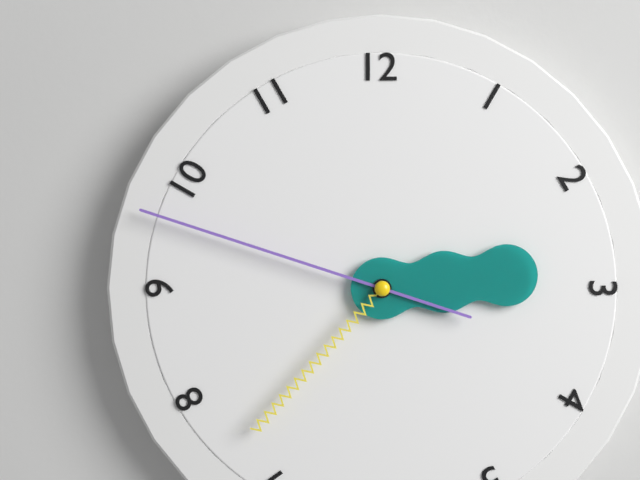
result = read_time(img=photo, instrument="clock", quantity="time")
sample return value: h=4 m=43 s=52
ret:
h=2 m=48 s=37
